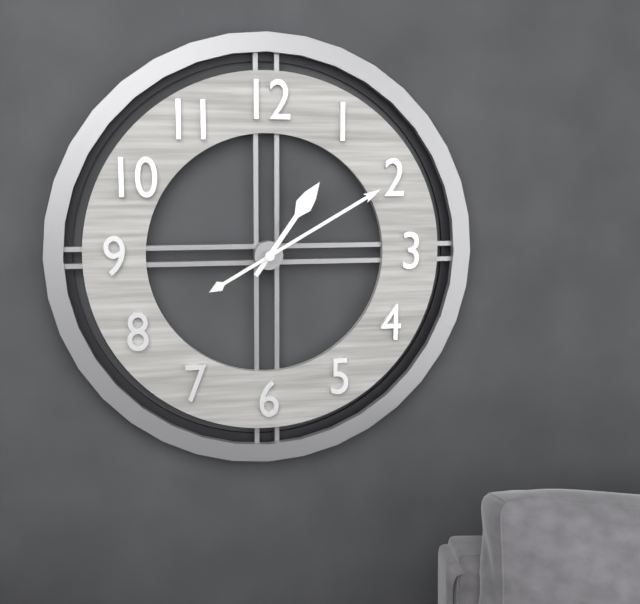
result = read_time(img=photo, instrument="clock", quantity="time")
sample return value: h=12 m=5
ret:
h=1 m=10
